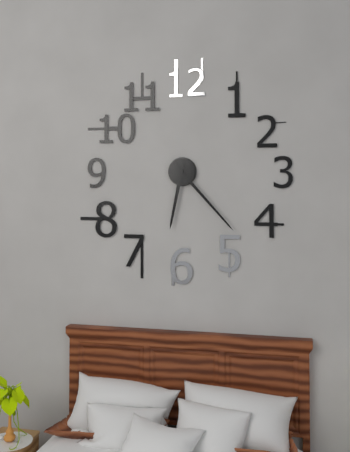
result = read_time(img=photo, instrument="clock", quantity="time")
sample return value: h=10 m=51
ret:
h=6 m=23
